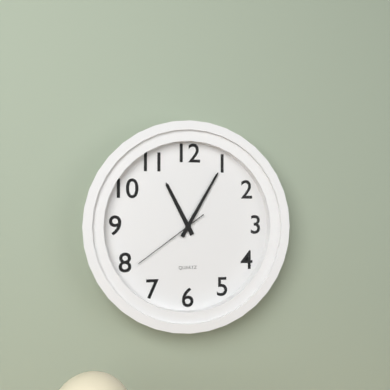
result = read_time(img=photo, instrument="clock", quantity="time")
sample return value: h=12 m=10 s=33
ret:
h=11 m=5 s=39
